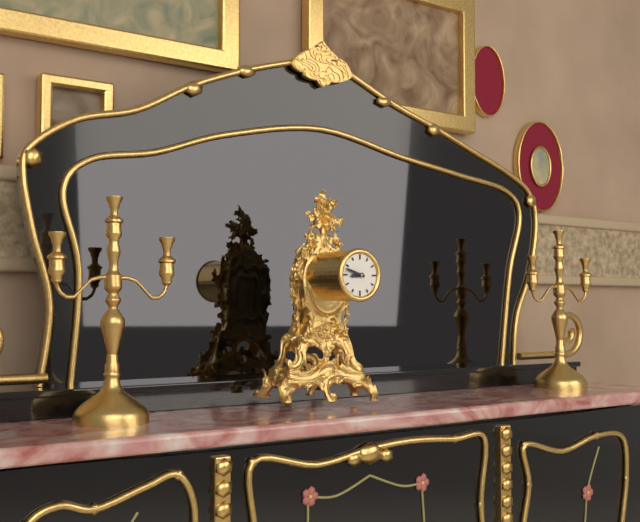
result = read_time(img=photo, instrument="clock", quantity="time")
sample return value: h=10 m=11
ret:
h=8 m=48
